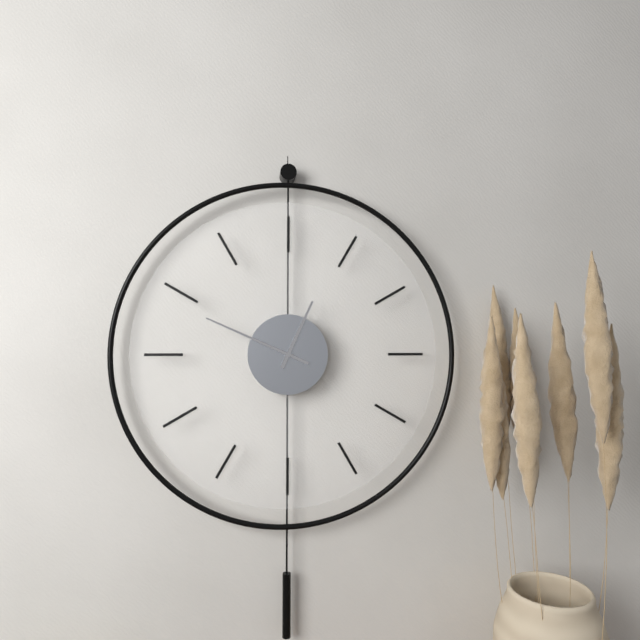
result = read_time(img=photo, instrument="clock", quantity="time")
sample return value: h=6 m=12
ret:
h=12 m=49
